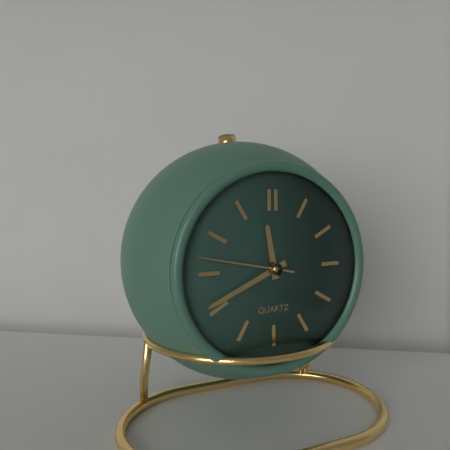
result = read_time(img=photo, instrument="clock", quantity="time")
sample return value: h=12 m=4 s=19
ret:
h=11 m=41 s=47
